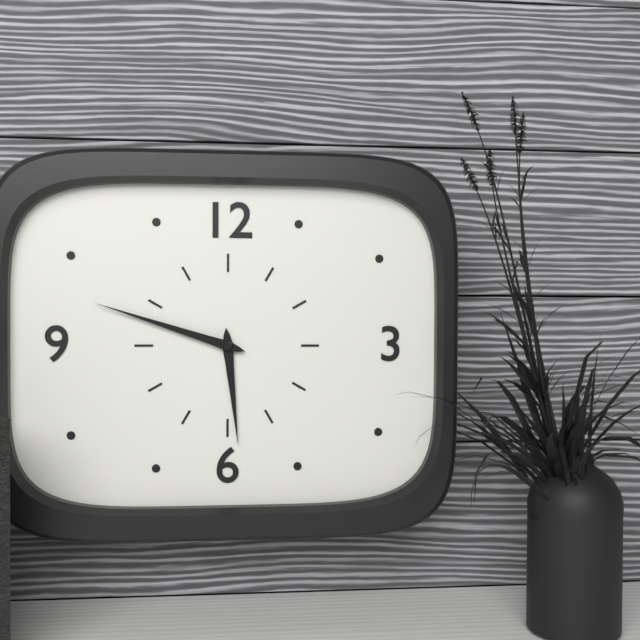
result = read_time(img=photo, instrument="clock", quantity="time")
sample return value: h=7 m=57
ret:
h=5 m=48
